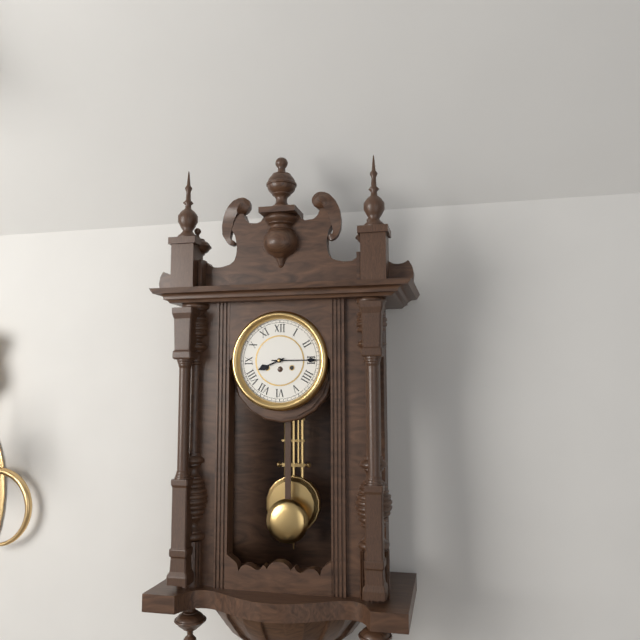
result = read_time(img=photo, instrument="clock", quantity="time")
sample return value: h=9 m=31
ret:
h=8 m=15
